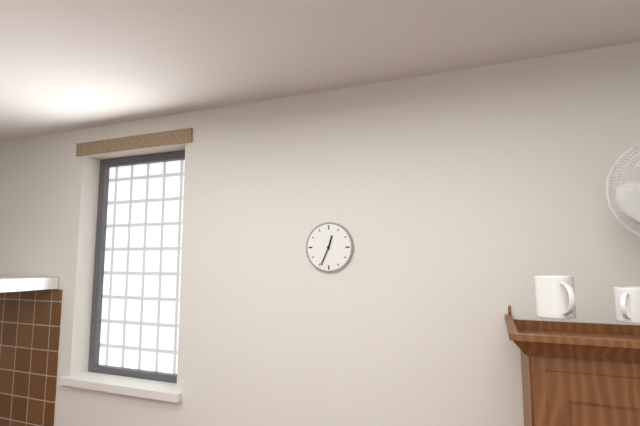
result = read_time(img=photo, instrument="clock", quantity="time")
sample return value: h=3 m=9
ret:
h=12 m=34
